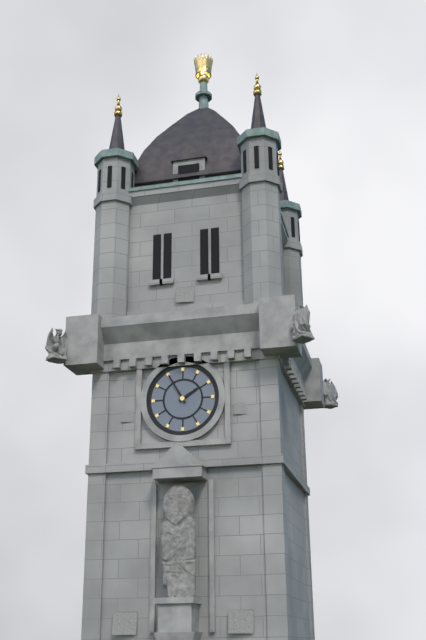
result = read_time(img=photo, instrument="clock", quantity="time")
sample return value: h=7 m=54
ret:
h=1 m=55
